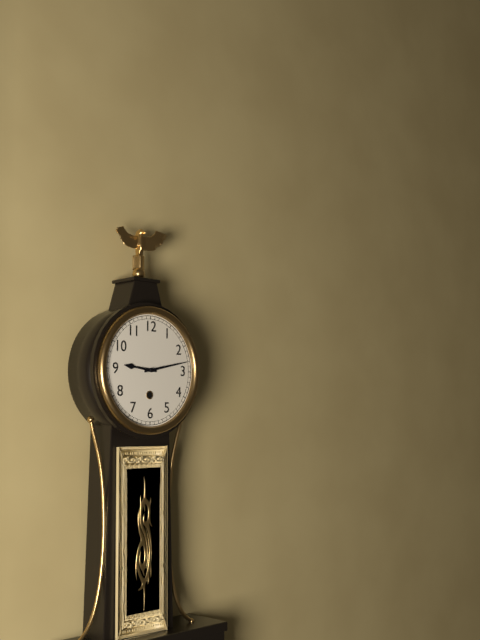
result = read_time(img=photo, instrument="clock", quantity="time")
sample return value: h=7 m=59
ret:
h=9 m=13
